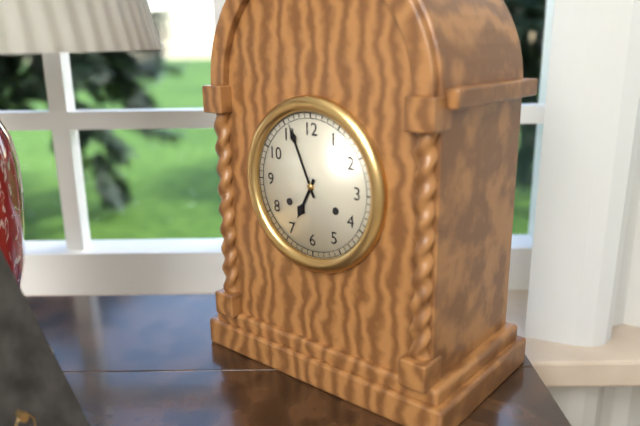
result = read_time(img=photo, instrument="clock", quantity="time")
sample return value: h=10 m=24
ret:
h=6 m=56
